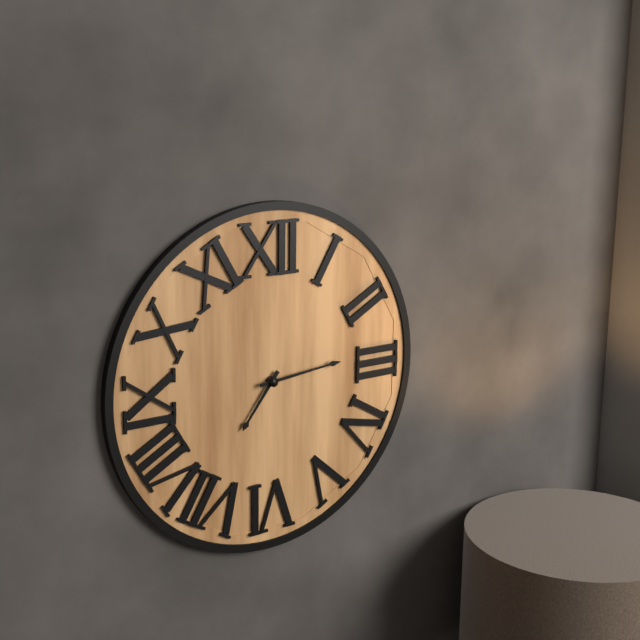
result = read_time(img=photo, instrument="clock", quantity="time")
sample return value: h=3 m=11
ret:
h=7 m=14
